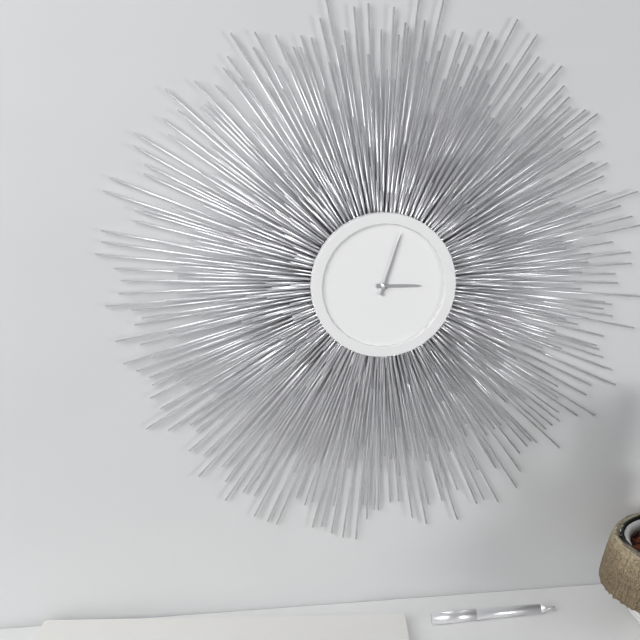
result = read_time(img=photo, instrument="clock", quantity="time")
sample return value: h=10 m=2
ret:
h=3 m=3
